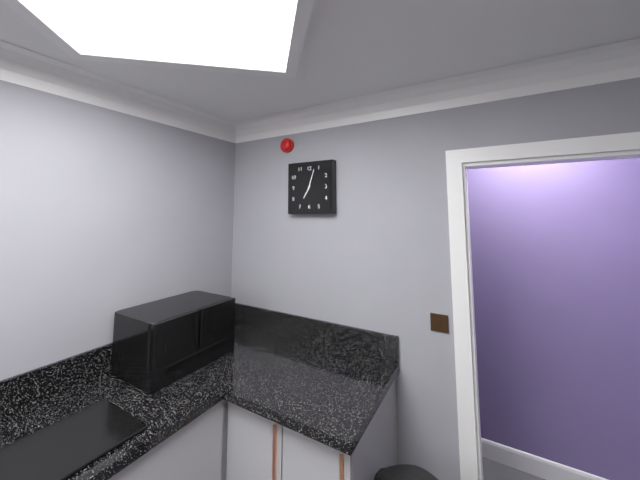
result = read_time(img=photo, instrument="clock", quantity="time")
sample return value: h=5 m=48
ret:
h=7 m=3
